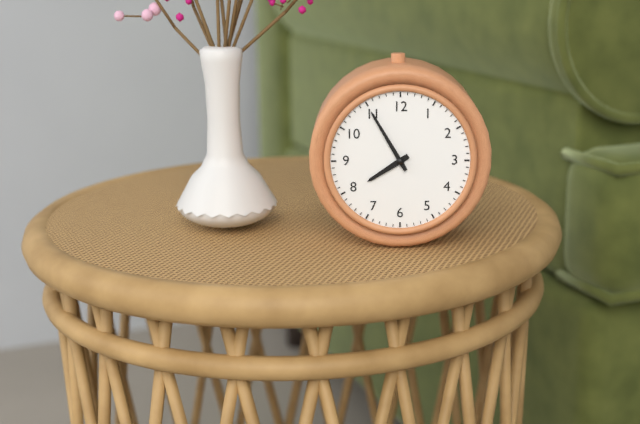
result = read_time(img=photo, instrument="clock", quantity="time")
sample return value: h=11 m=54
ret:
h=7 m=55
